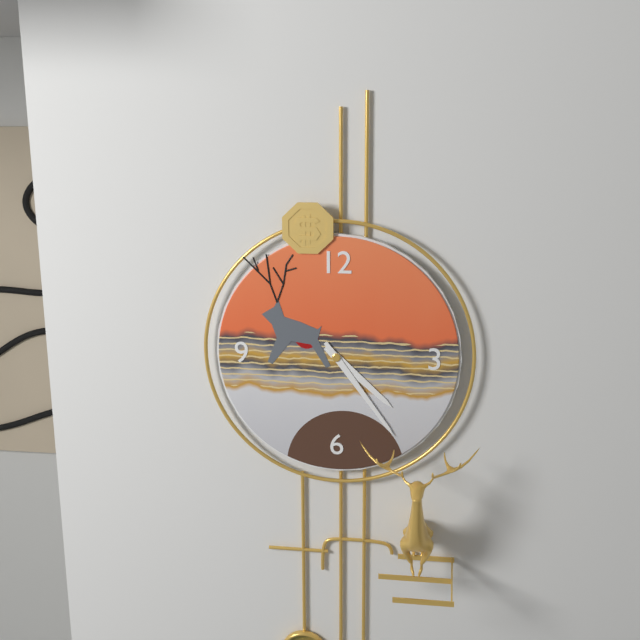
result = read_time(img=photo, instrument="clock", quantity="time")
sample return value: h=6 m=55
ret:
h=4 m=24
